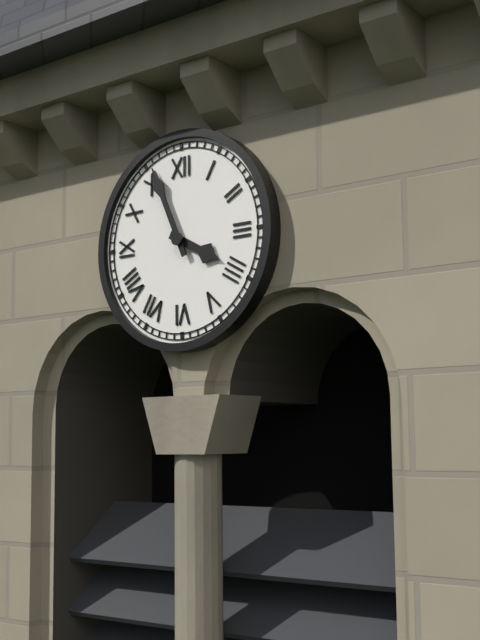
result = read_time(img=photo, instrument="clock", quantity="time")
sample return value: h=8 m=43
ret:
h=3 m=56
